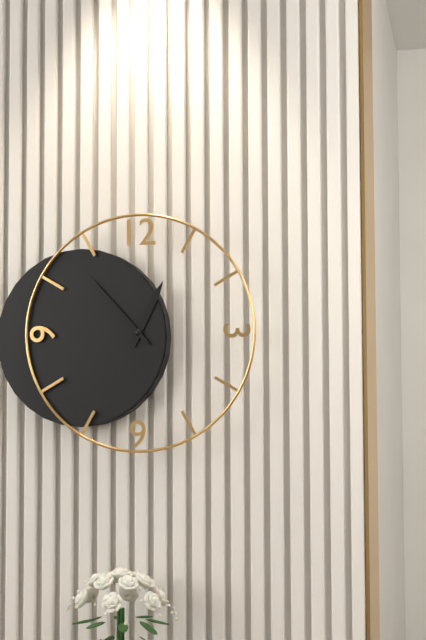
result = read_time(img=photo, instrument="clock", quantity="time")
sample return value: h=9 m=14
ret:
h=12 m=53
